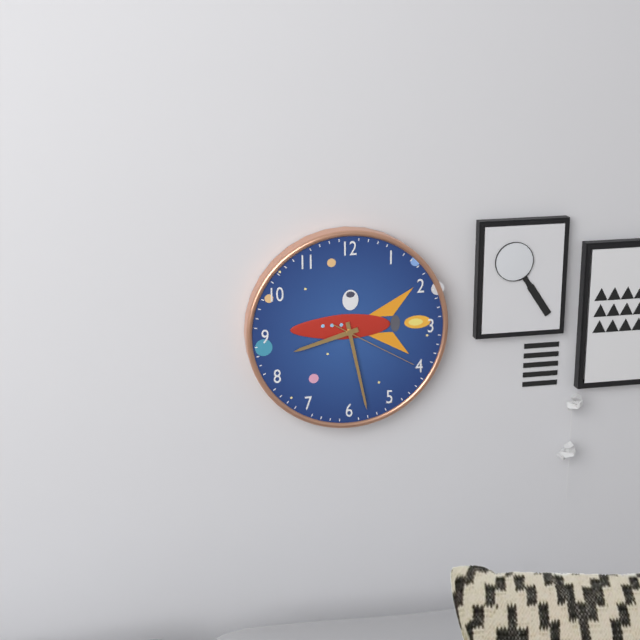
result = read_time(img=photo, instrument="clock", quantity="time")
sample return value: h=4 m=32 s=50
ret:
h=8 m=28 s=20
